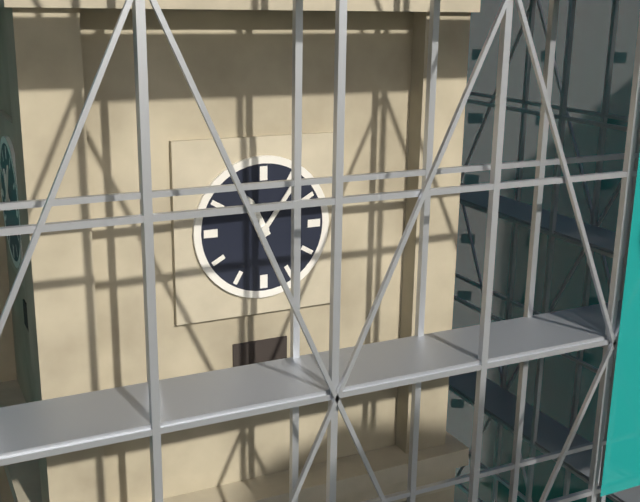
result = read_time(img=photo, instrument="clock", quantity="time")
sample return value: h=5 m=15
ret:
h=11 m=6
